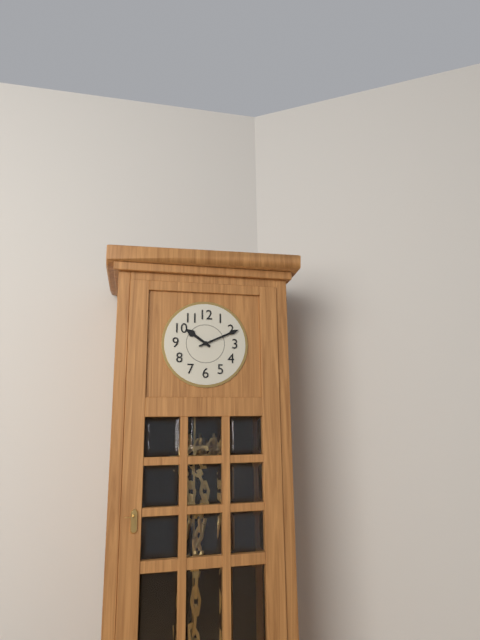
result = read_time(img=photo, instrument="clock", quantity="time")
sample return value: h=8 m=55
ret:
h=10 m=11
